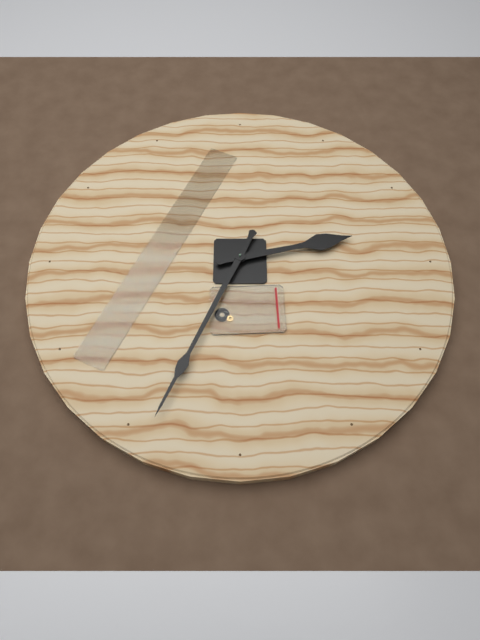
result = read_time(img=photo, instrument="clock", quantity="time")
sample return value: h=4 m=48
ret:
h=2 m=34
